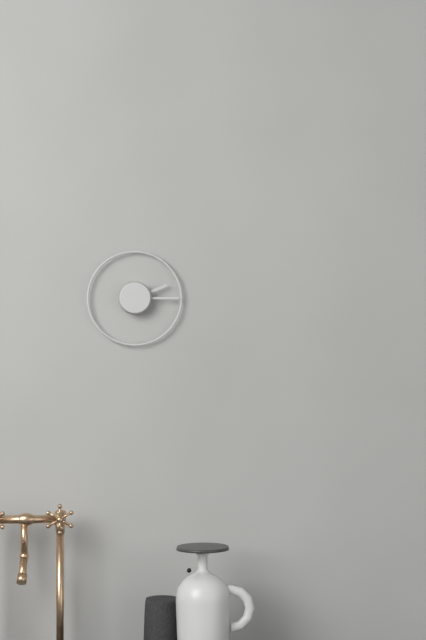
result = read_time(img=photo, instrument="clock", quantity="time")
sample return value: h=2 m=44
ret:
h=2 m=15
